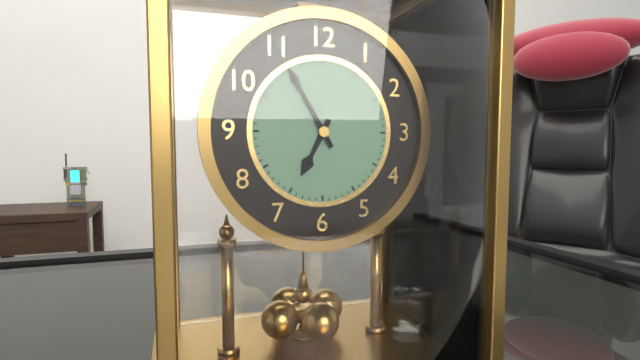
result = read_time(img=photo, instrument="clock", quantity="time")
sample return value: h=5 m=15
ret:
h=6 m=55
